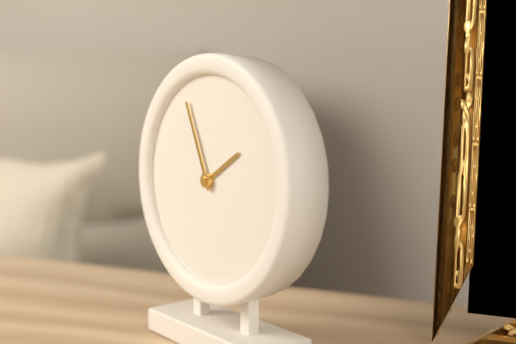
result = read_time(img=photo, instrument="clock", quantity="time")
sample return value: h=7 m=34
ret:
h=1 m=56
